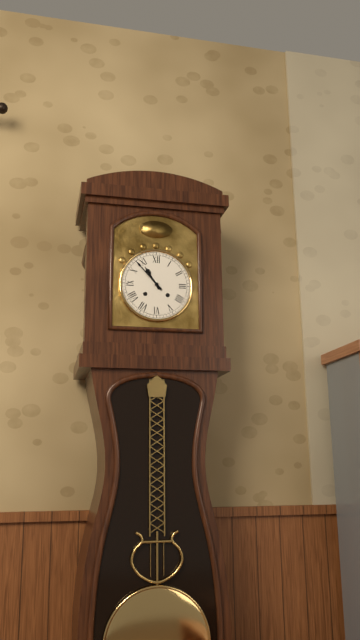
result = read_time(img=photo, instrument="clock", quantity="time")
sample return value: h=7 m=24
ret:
h=10 m=53
